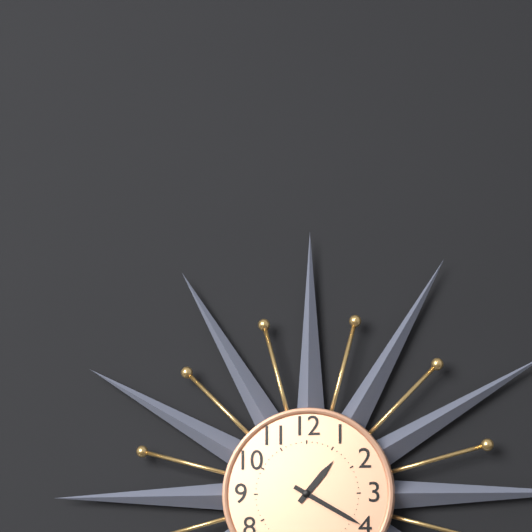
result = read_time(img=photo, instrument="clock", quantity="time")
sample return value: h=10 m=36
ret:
h=1 m=20
